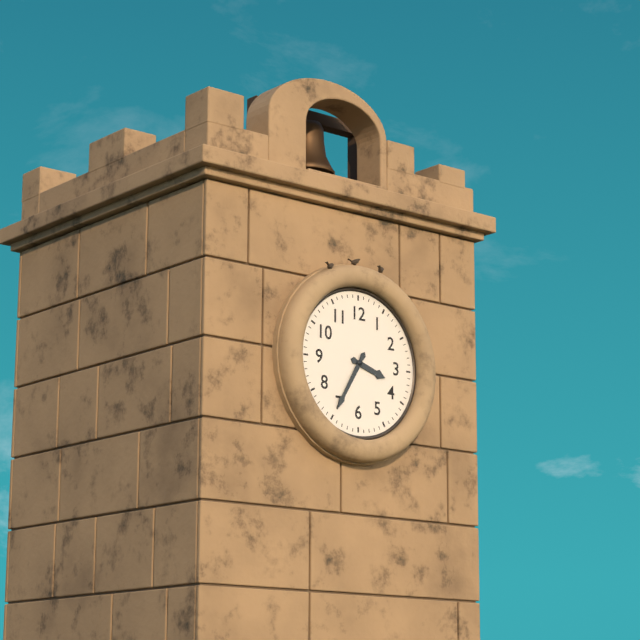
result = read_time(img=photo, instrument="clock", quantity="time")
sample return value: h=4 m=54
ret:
h=3 m=35
